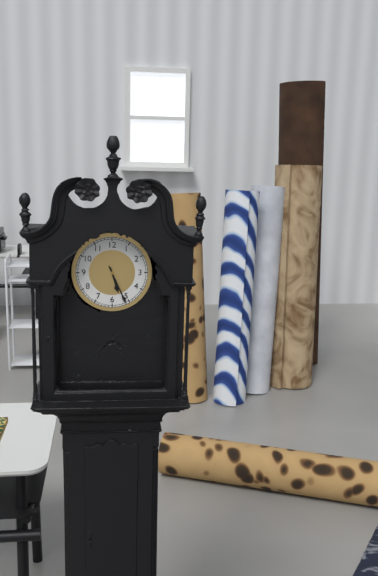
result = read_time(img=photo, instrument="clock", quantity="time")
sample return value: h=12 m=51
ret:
h=5 m=26
